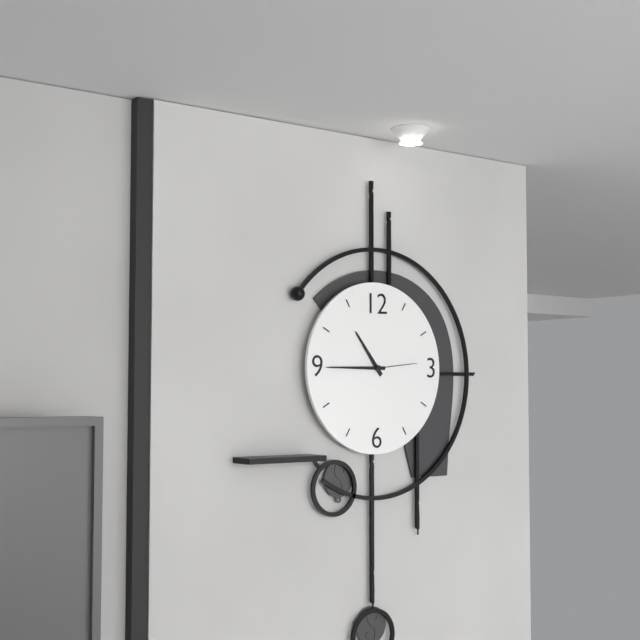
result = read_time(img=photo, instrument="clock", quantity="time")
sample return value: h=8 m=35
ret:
h=10 m=45
